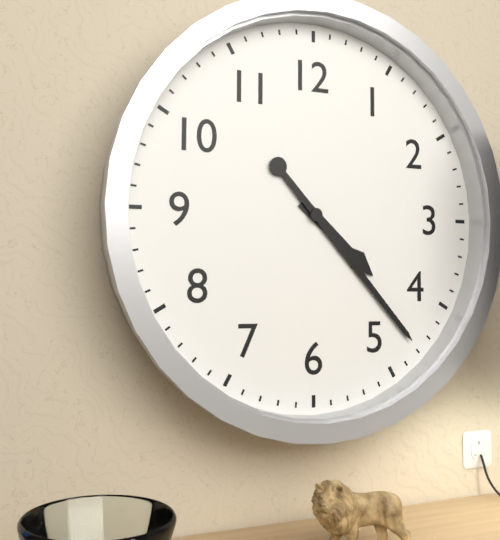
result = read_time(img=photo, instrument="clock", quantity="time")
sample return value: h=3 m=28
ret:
h=4 m=23
